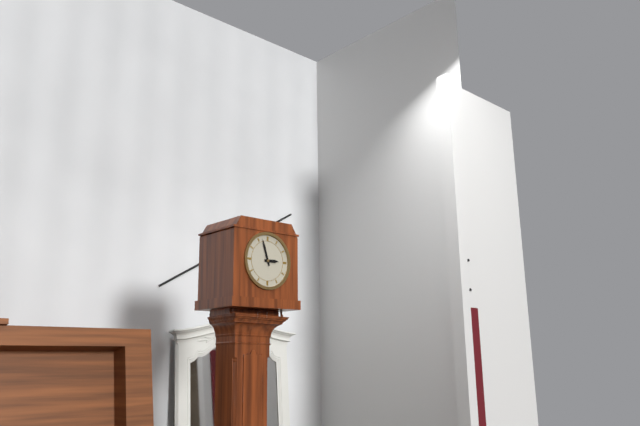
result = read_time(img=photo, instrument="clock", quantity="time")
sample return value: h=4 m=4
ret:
h=2 m=57
